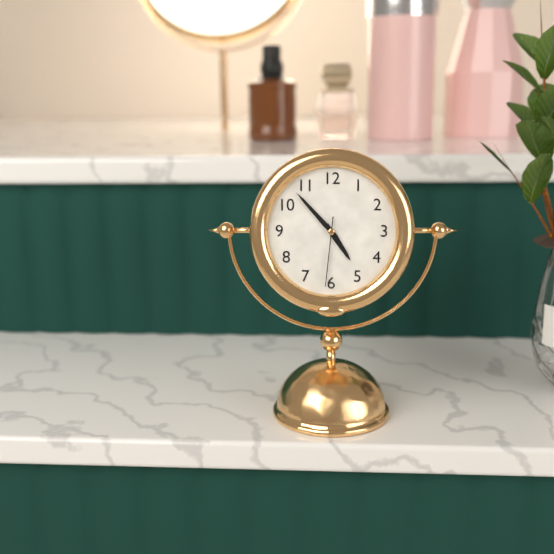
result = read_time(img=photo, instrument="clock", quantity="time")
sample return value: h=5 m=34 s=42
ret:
h=4 m=53 s=31
